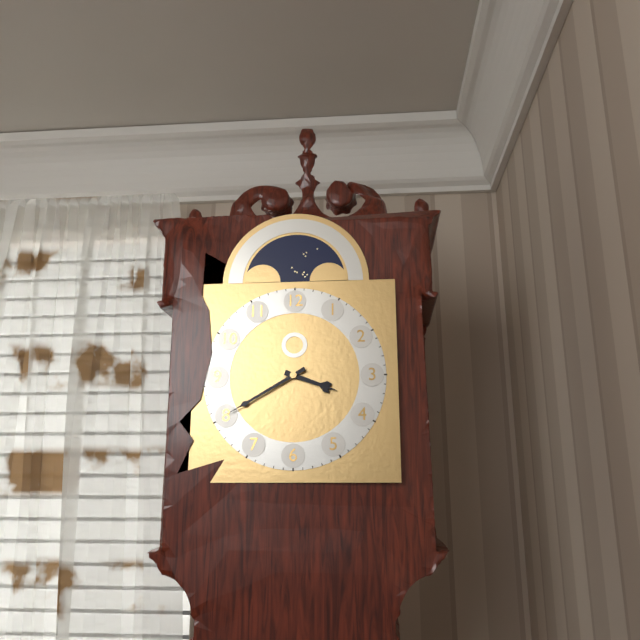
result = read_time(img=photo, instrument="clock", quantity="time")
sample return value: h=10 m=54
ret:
h=3 m=40
